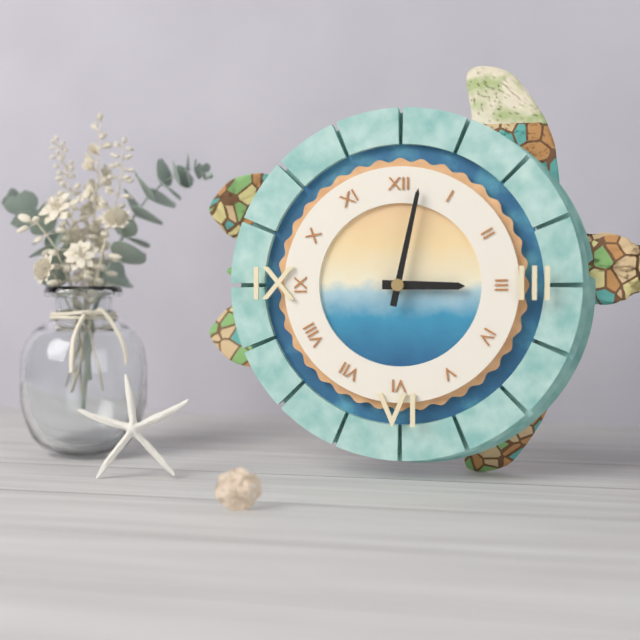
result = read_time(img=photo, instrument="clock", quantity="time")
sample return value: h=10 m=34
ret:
h=3 m=2
